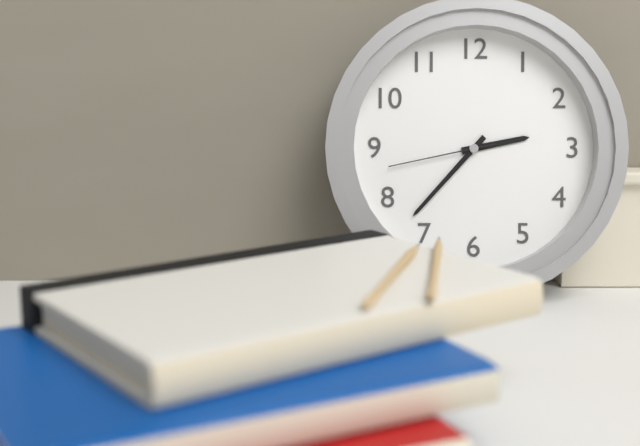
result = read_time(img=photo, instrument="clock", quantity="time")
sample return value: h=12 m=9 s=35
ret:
h=2 m=37 s=43
